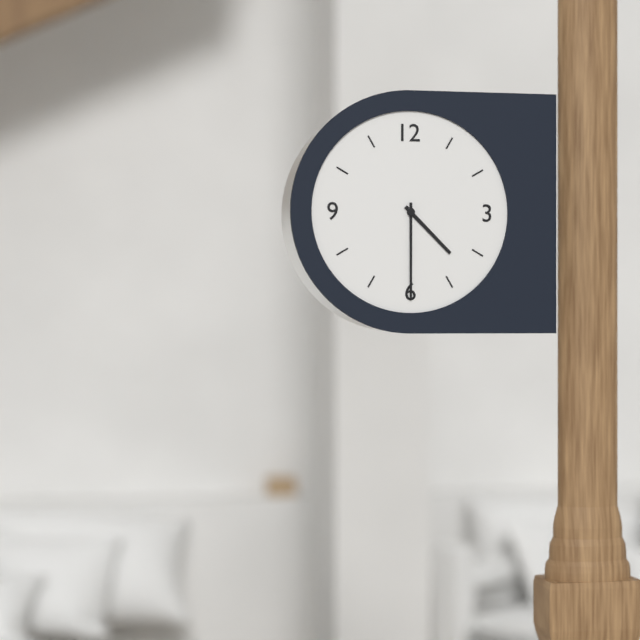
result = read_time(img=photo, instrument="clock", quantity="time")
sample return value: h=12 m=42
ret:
h=4 m=30
